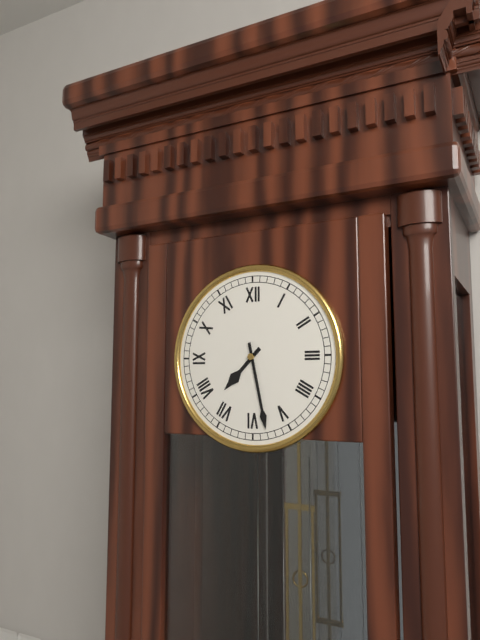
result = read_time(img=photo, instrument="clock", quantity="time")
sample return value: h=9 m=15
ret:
h=7 m=28
